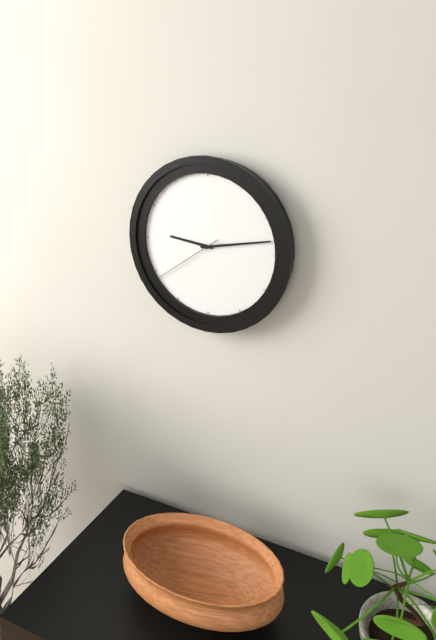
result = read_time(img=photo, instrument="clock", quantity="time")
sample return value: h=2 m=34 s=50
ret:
h=9 m=13 s=39
